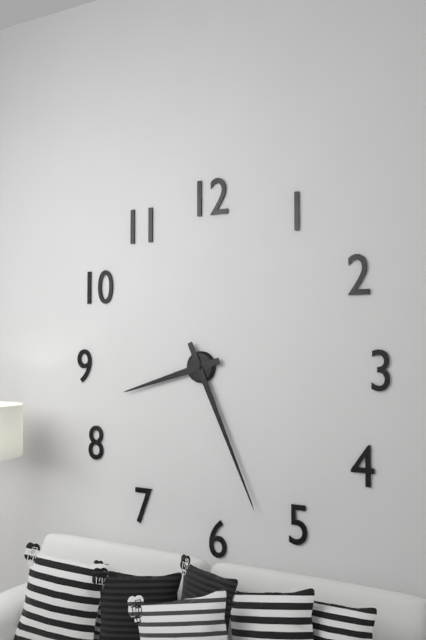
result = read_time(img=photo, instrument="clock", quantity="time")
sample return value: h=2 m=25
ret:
h=8 m=26
